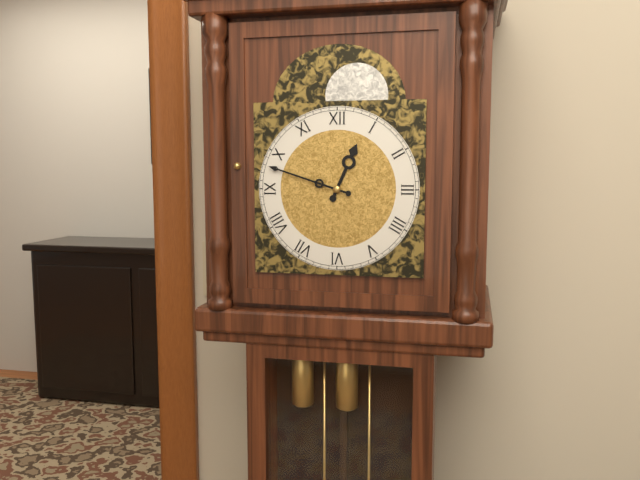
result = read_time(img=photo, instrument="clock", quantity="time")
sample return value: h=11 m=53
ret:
h=12 m=48
